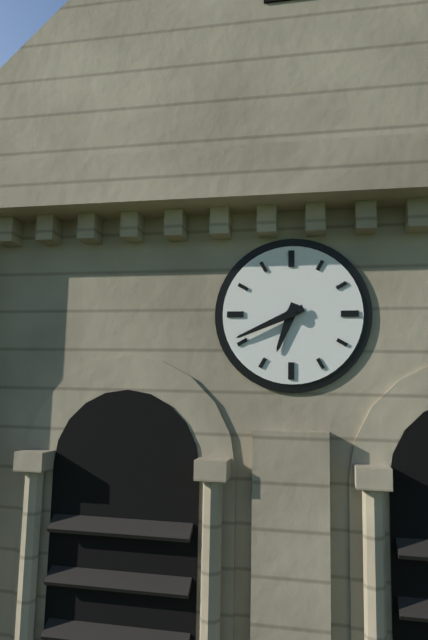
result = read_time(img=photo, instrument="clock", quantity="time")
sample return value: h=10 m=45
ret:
h=6 m=41
